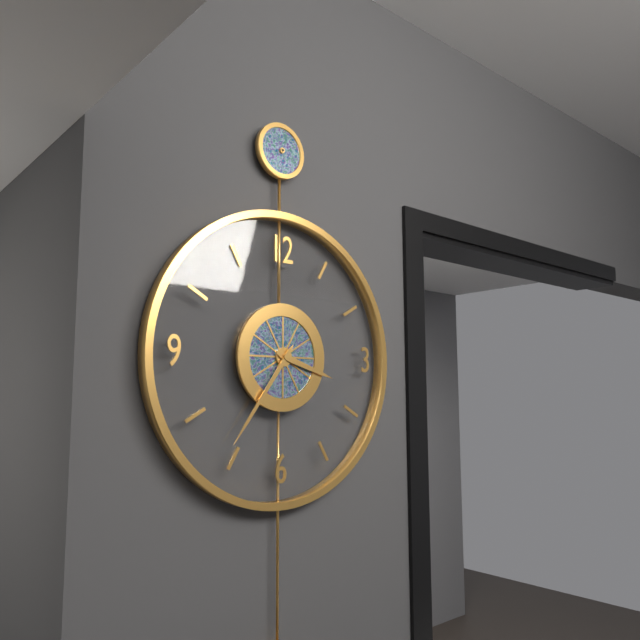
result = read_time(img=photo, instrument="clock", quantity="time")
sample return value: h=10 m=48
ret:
h=3 m=36
